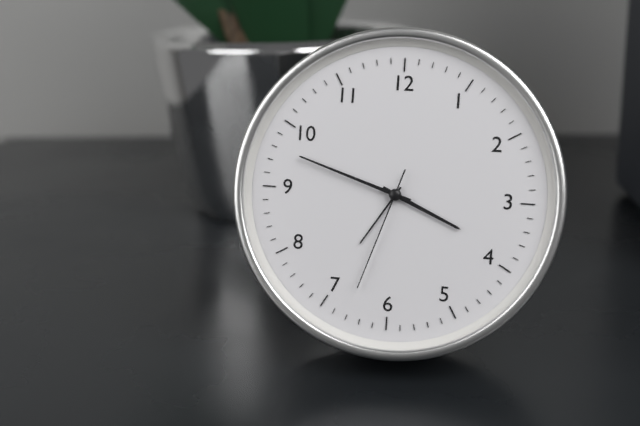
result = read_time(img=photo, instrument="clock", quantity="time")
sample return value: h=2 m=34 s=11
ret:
h=3 m=48 s=33
